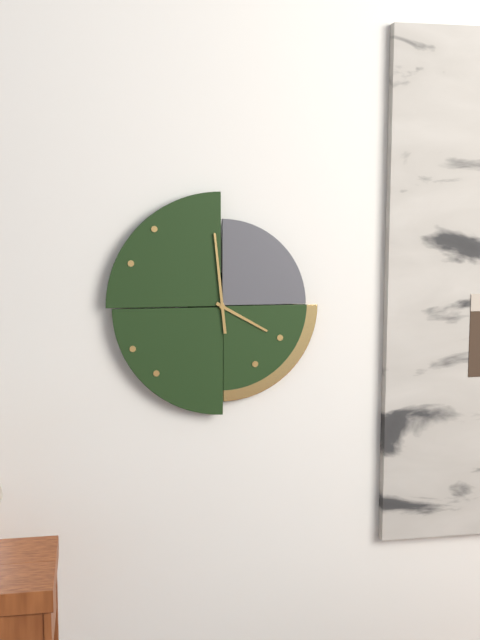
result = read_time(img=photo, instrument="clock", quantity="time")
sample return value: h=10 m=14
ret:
h=3 m=59
